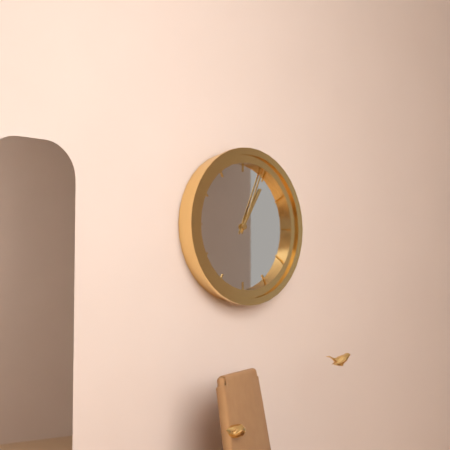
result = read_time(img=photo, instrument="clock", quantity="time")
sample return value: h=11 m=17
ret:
h=1 m=4
